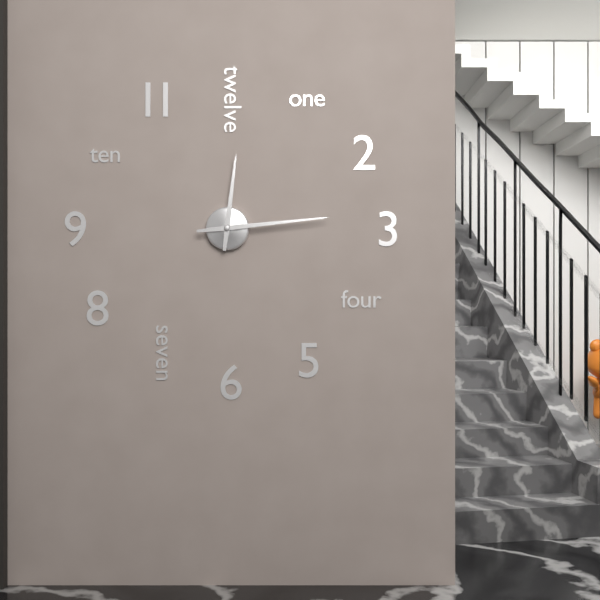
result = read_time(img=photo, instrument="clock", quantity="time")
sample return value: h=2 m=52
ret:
h=12 m=14
